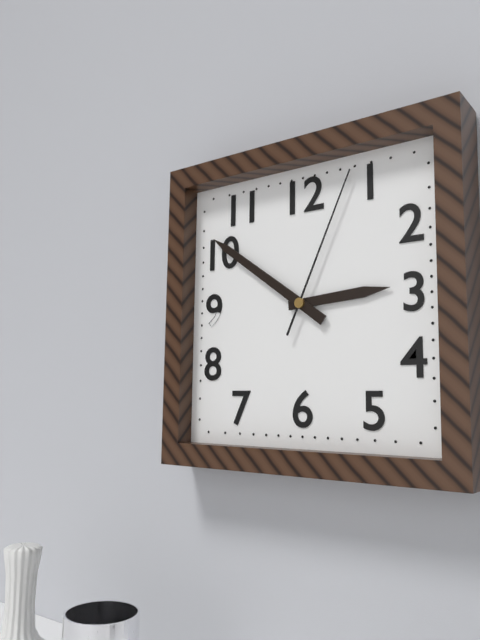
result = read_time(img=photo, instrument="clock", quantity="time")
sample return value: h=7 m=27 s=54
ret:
h=2 m=51 s=4
